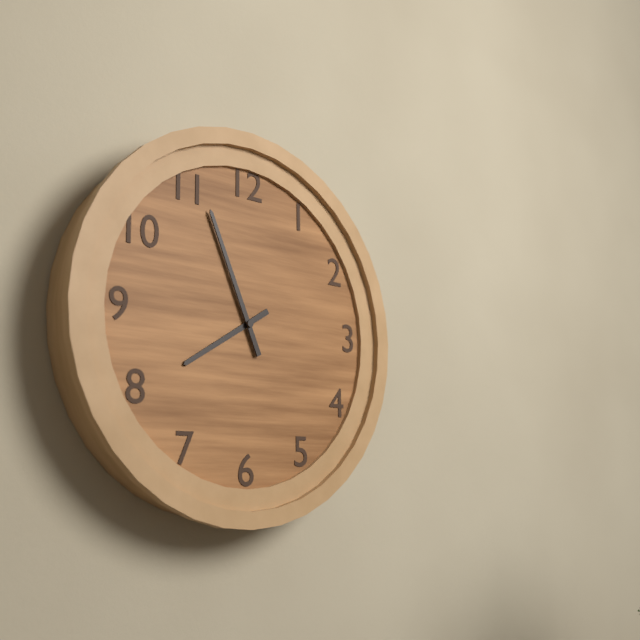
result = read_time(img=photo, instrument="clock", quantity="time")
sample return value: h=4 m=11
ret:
h=7 m=56
